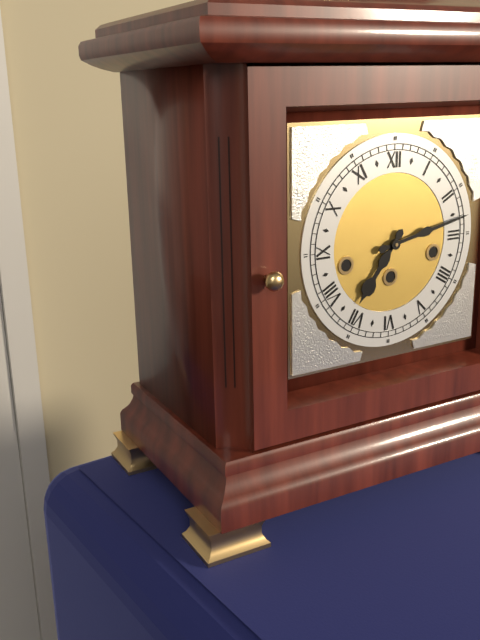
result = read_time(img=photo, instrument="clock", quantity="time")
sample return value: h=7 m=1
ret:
h=7 m=13
